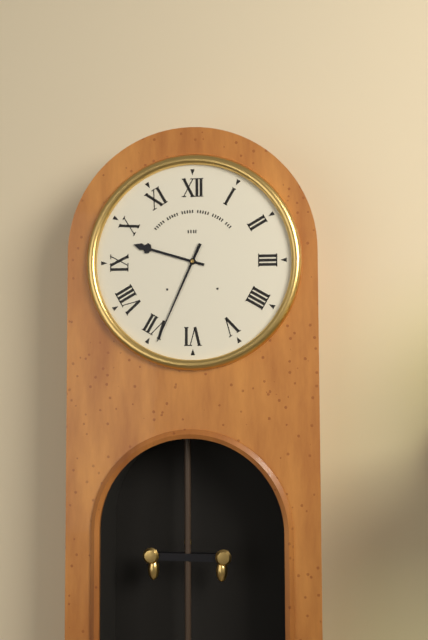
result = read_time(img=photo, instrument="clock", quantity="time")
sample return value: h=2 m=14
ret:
h=9 m=34
